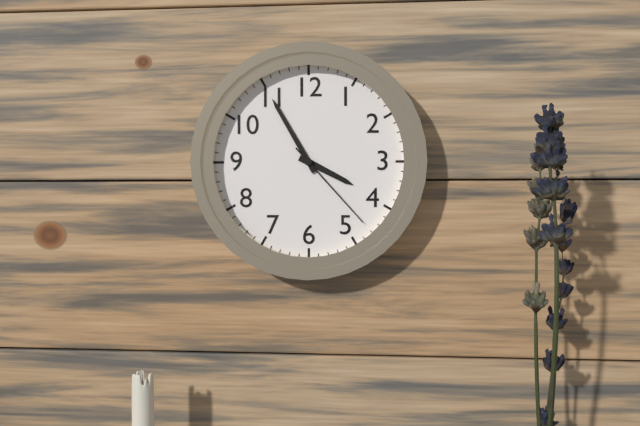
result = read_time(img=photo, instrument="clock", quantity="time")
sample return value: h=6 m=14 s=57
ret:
h=3 m=55 s=23
